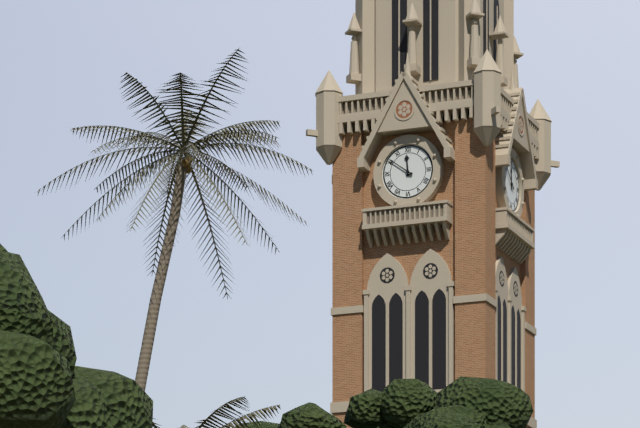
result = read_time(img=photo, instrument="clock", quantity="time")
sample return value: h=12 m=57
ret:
h=11 m=51
